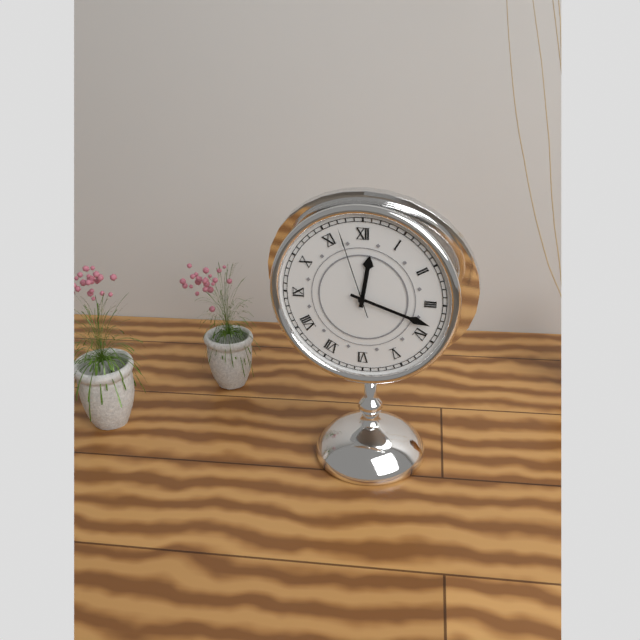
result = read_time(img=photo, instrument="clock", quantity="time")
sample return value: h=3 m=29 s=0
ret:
h=12 m=18 s=57
